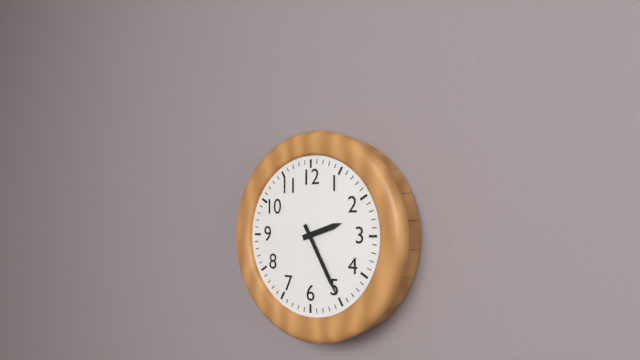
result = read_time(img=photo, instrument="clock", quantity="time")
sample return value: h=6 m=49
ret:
h=2 m=25
